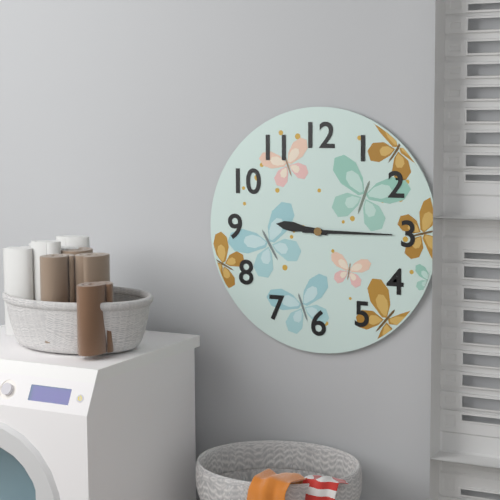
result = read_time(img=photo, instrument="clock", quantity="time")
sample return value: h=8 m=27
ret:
h=9 m=15
